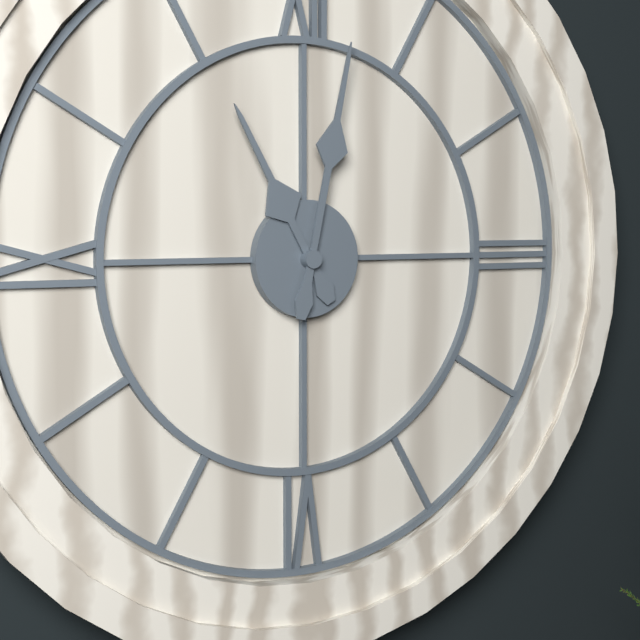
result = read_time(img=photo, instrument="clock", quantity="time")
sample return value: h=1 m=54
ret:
h=11 m=2
